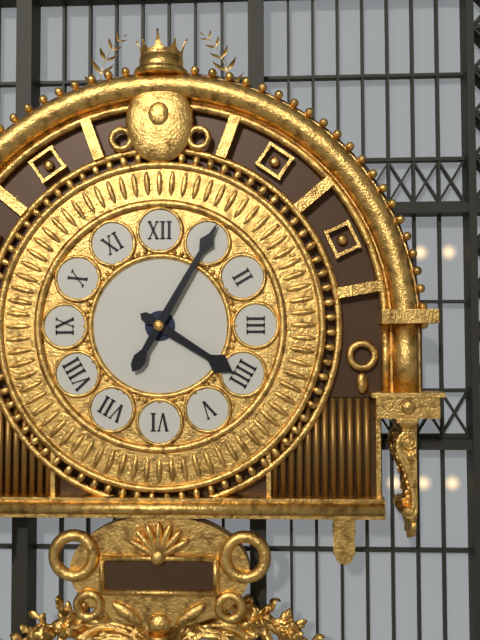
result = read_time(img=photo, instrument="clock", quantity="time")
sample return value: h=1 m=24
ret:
h=4 m=5
